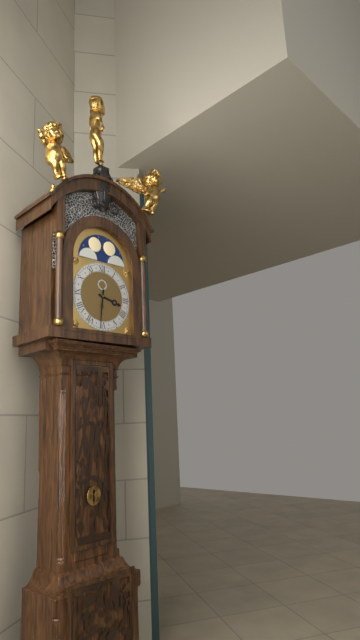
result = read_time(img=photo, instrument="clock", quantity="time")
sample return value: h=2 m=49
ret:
h=3 m=31
